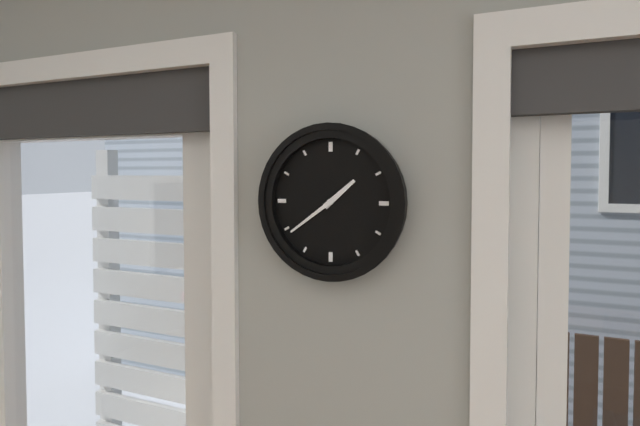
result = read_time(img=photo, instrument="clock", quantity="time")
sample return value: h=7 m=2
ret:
h=1 m=39
